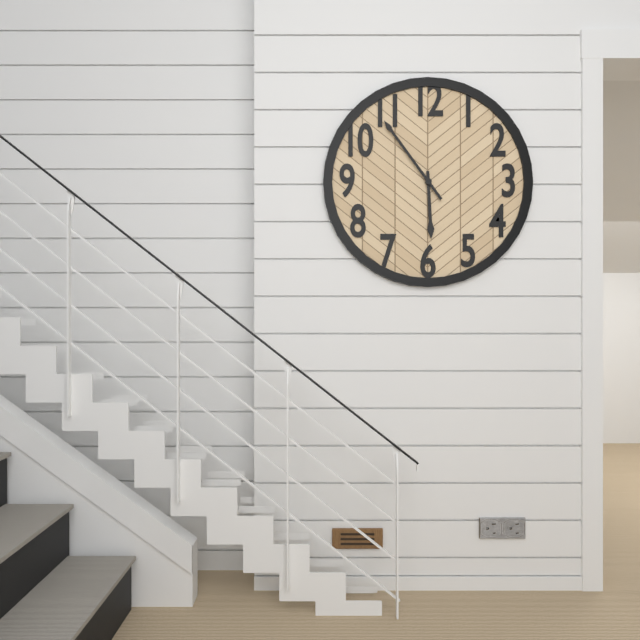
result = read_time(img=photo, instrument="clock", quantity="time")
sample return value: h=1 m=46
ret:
h=5 m=54
